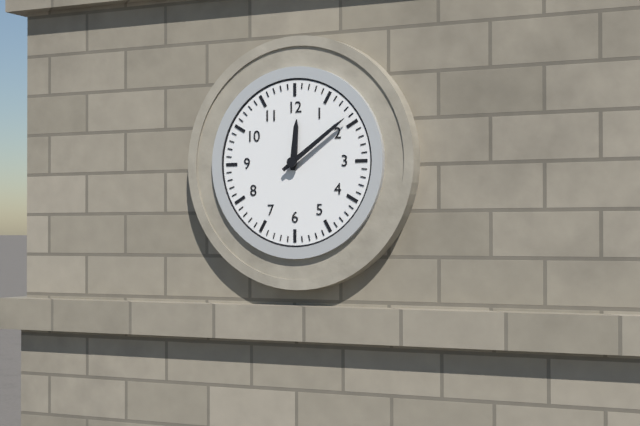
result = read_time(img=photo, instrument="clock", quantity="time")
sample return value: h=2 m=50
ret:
h=12 m=9
